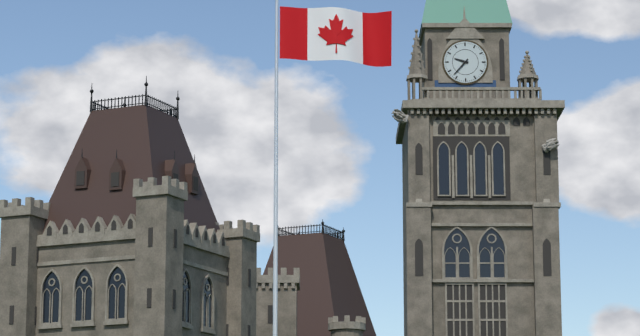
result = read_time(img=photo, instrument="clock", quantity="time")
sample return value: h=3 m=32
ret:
h=9 m=37
